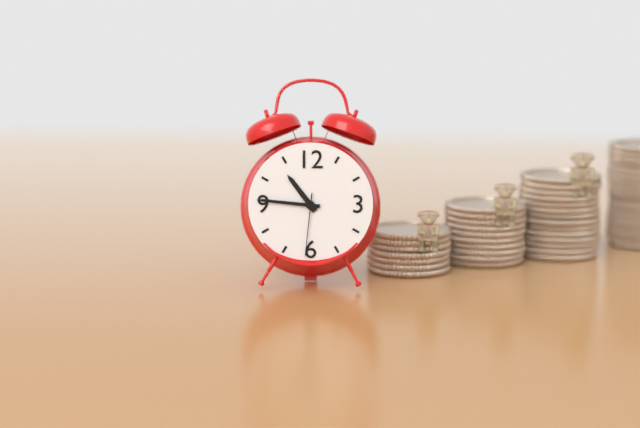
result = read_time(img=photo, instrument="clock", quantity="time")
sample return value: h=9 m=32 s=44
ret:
h=10 m=46 s=31
